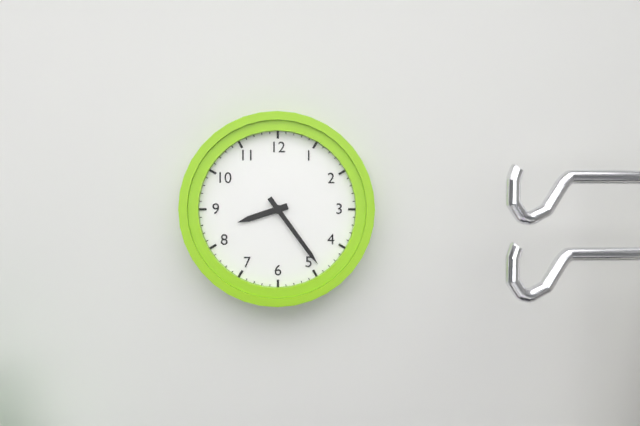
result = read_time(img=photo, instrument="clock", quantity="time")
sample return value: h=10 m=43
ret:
h=8 m=24
